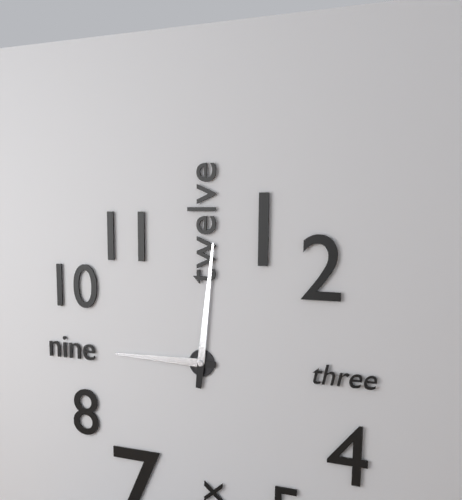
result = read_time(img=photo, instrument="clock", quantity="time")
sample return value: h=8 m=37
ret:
h=9 m=1
